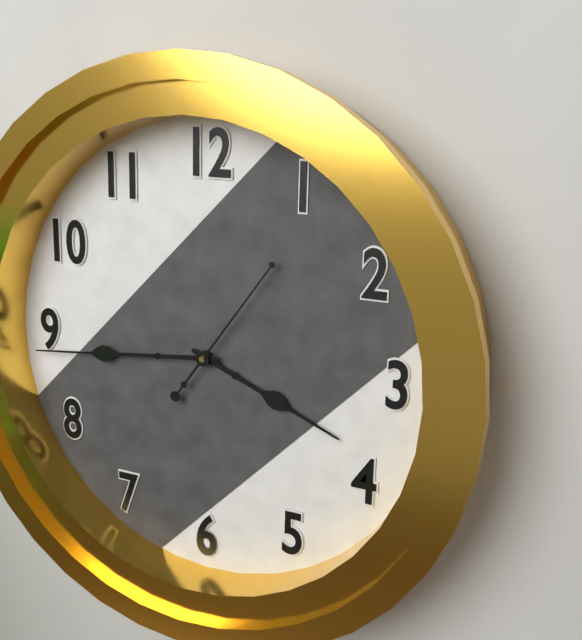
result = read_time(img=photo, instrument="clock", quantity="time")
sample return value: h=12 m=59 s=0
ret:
h=3 m=44 s=6
